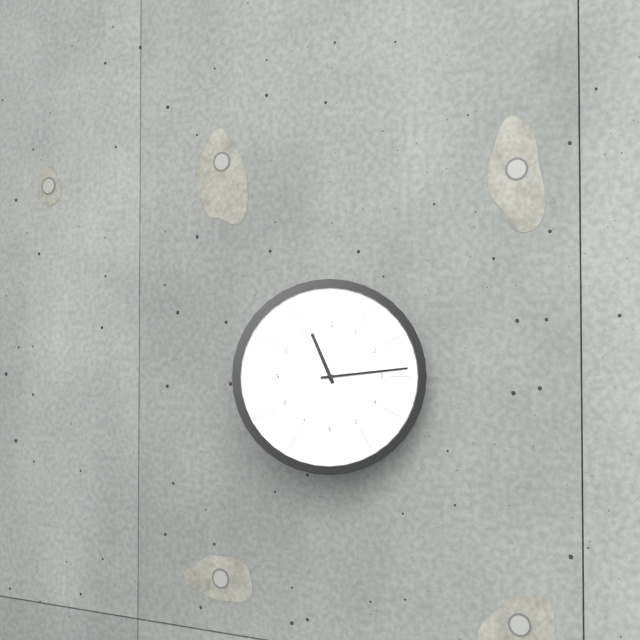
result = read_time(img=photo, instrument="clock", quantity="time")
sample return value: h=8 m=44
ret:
h=11 m=14
